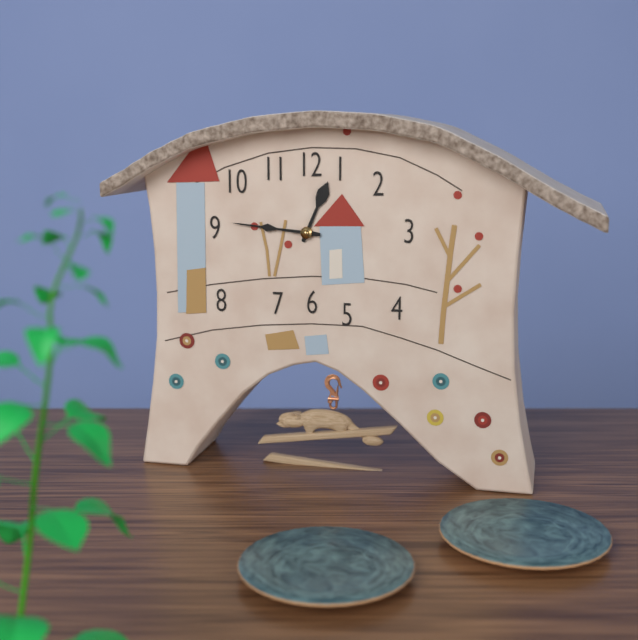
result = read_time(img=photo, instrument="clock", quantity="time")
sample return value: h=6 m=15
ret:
h=12 m=46
